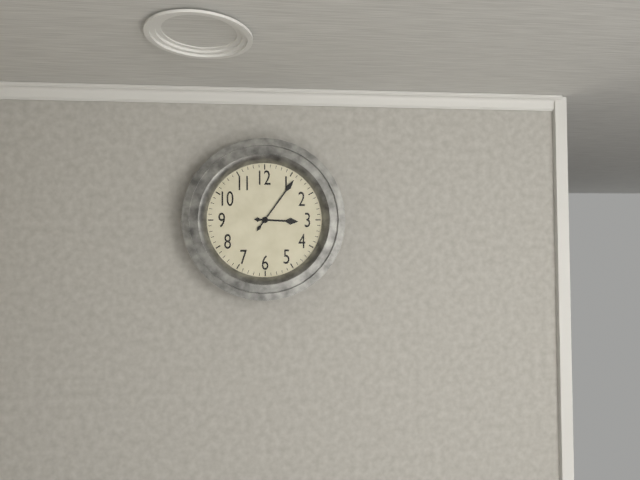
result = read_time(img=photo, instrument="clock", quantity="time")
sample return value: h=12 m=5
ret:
h=3 m=6
